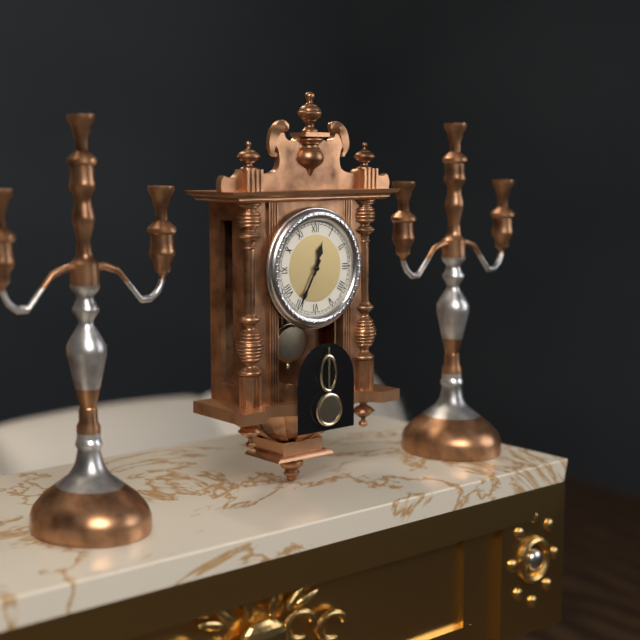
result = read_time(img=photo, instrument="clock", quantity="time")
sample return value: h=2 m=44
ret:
h=12 m=35
